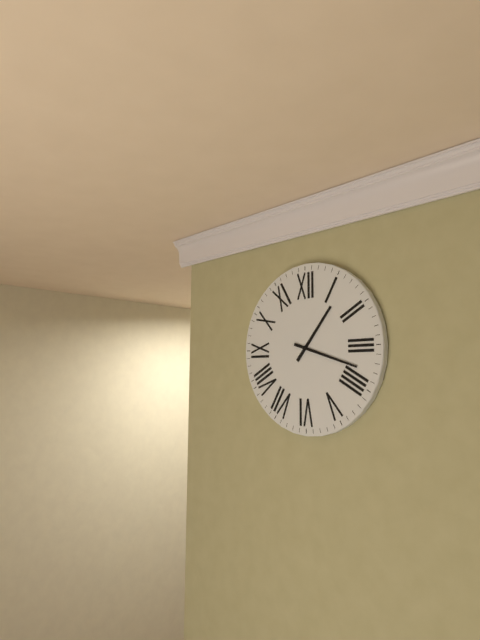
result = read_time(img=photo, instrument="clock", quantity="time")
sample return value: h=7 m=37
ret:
h=1 m=18
